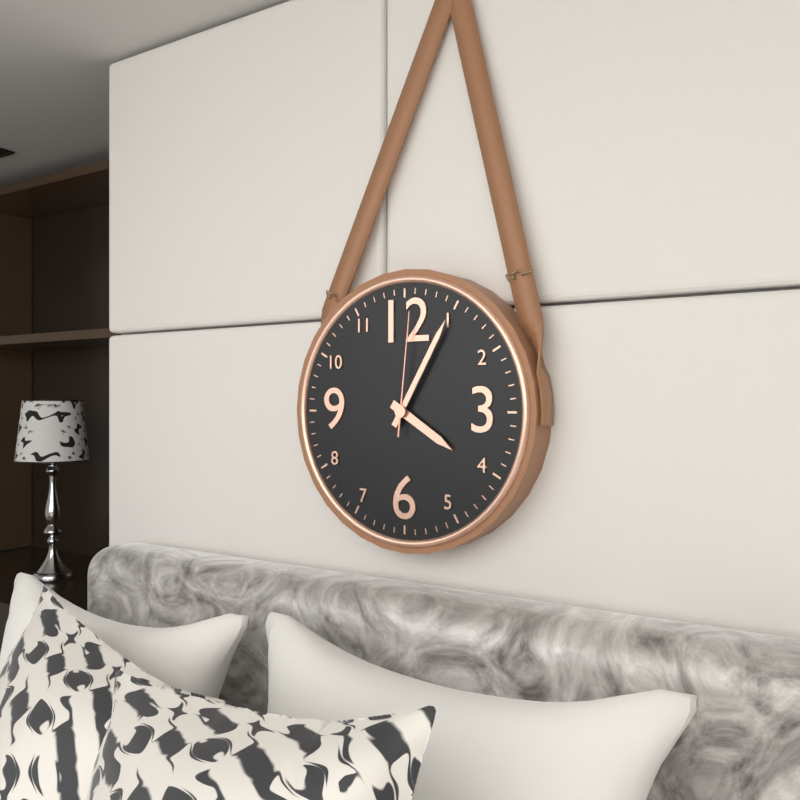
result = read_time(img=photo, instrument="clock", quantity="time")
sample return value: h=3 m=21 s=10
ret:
h=4 m=5 s=1
